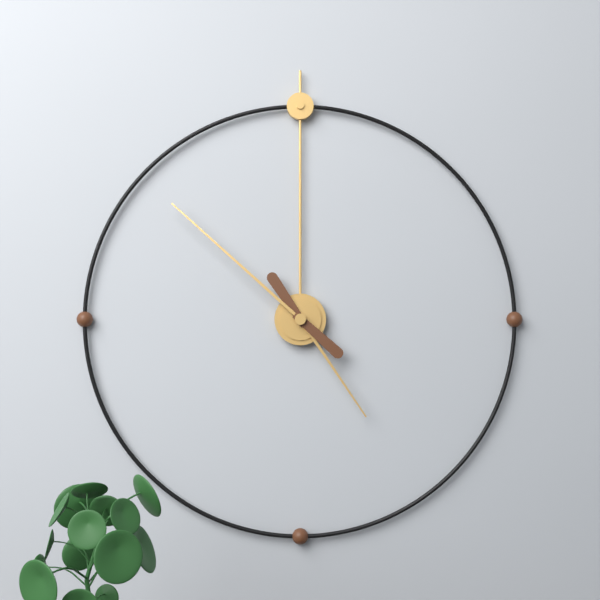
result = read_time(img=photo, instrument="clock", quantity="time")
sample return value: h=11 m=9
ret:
h=4 m=52
